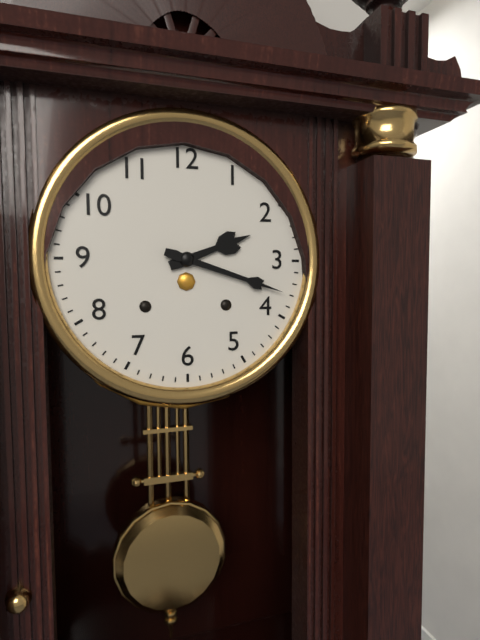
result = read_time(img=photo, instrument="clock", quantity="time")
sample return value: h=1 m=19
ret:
h=2 m=18
